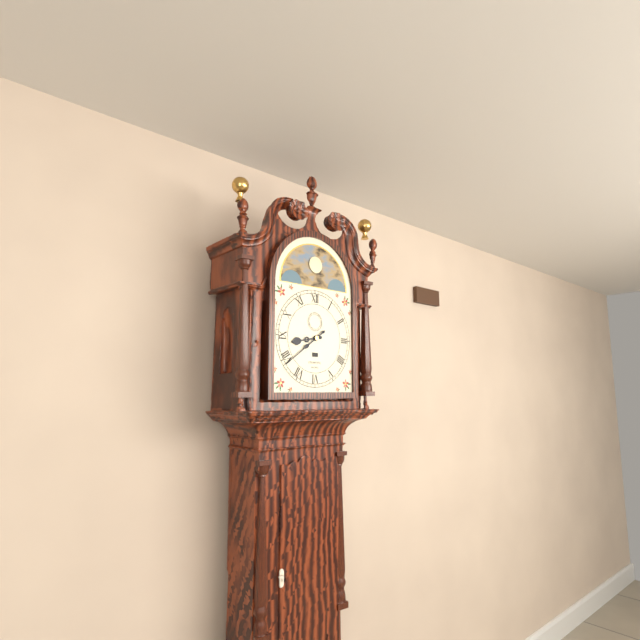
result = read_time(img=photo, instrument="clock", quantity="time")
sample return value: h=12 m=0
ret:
h=8 m=39
